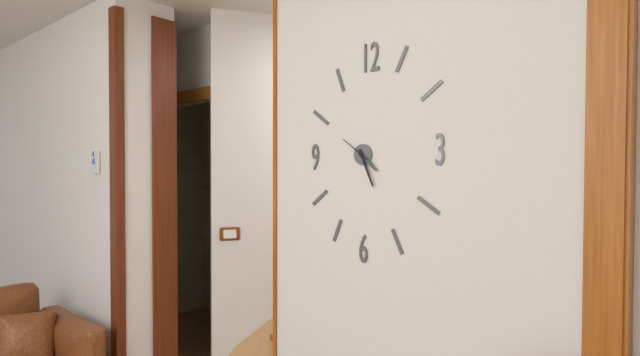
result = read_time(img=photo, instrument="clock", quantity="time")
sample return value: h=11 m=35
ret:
h=4 m=26
